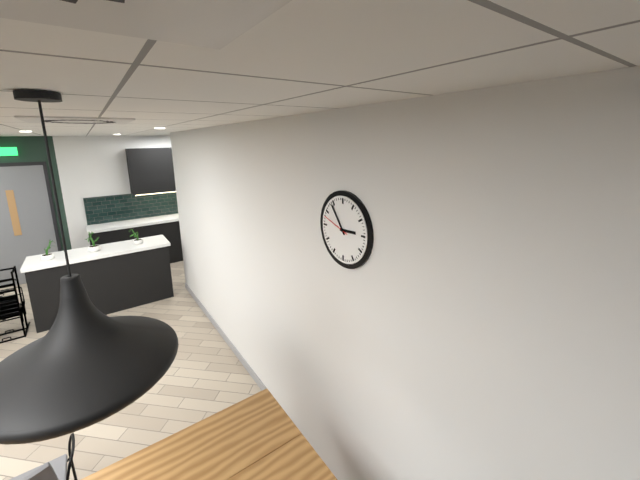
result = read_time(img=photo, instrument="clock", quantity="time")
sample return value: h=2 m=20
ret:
h=2 m=54
